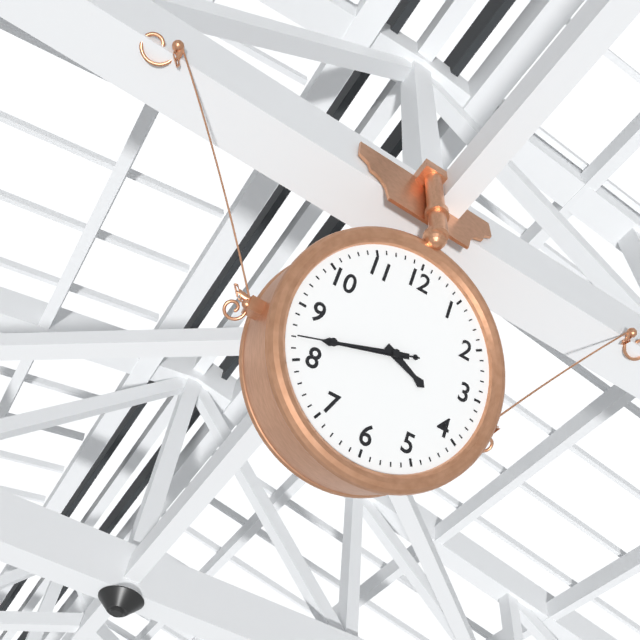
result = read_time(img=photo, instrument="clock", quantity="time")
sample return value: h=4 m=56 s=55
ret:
h=3 m=42 s=42
